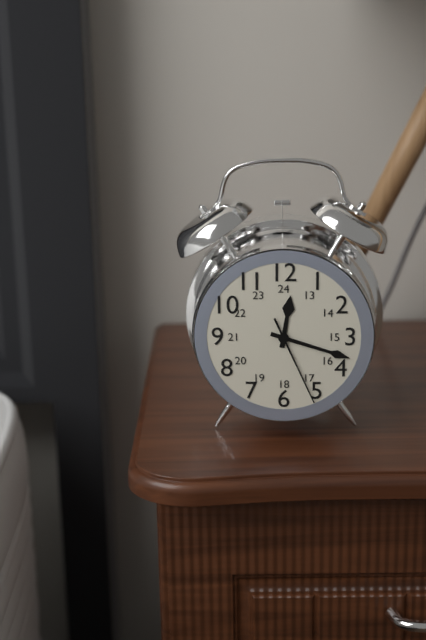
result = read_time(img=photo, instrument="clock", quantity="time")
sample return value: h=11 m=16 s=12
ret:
h=12 m=18 s=26
